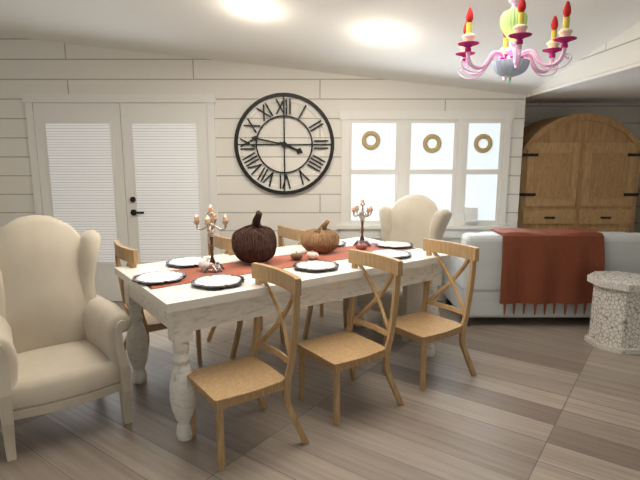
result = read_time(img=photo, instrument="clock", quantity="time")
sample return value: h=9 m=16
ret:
h=3 m=47
